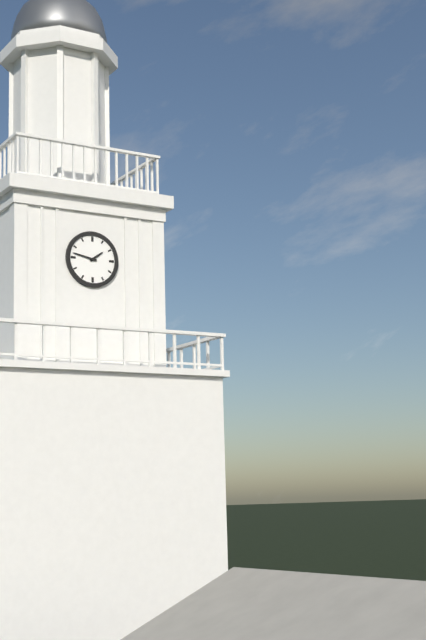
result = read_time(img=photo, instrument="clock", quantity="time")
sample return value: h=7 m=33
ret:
h=1 m=47
